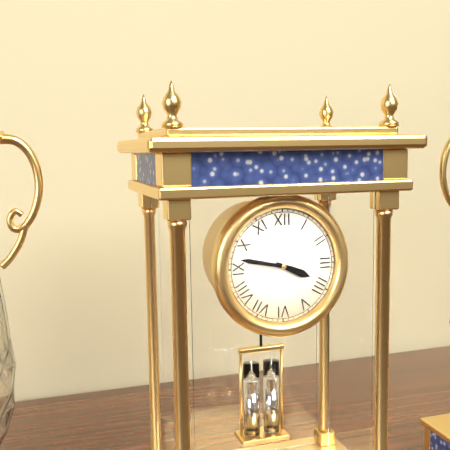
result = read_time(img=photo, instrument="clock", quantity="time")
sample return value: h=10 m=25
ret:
h=3 m=47
